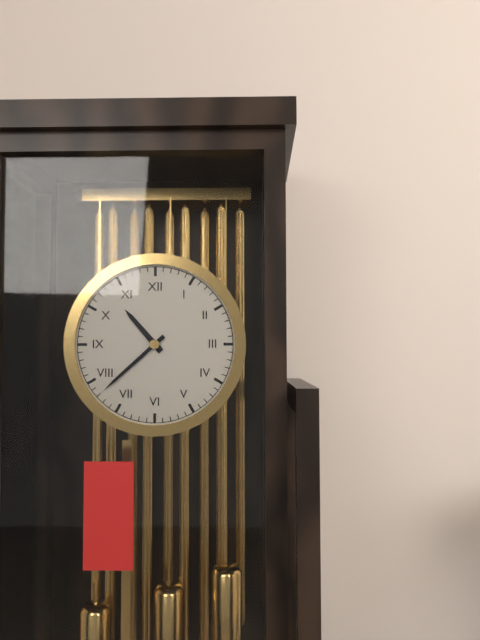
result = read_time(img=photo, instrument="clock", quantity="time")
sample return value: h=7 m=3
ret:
h=10 m=38
